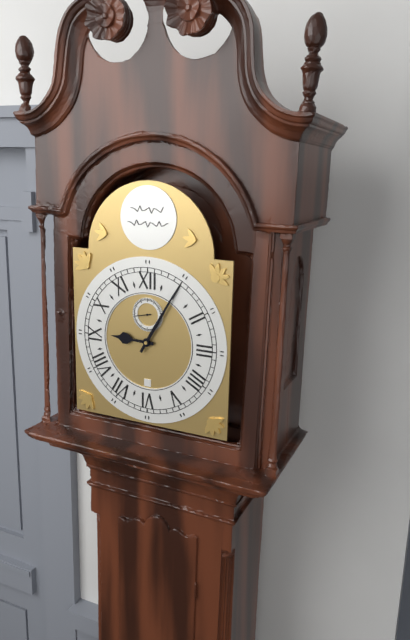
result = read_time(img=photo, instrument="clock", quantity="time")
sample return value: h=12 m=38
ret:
h=9 m=5
